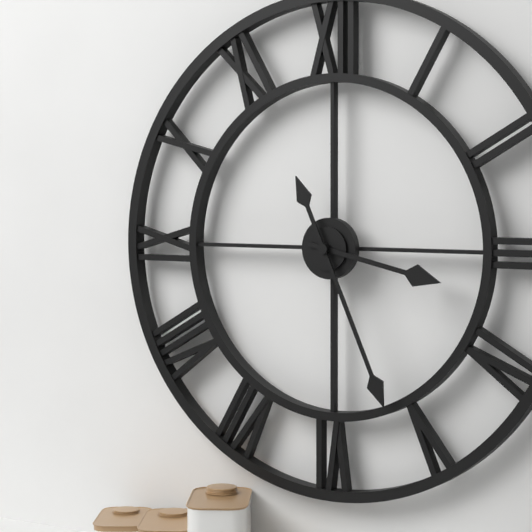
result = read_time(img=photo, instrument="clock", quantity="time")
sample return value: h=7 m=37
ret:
h=3 m=26
